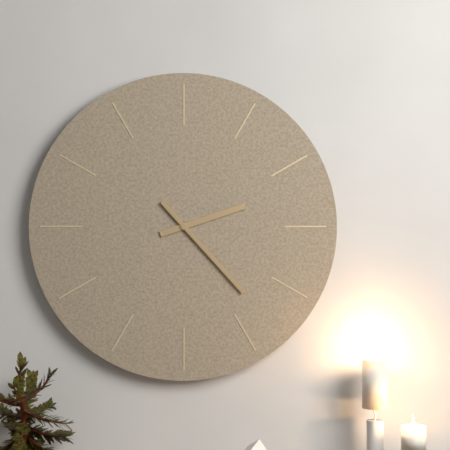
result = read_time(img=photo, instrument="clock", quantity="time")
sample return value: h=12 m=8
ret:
h=2 m=23
